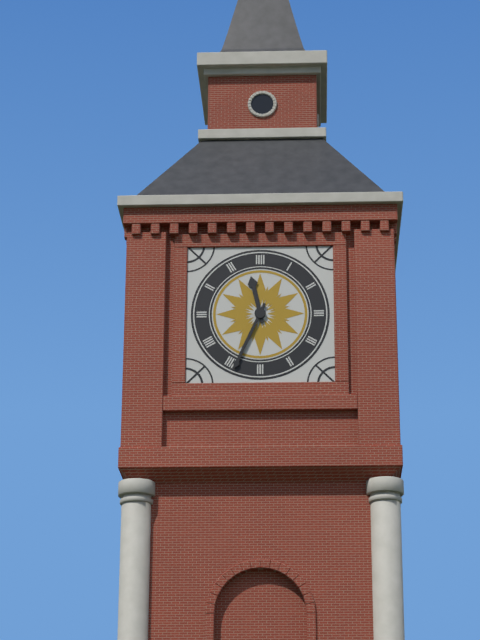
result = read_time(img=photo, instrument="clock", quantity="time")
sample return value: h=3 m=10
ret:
h=11 m=34
